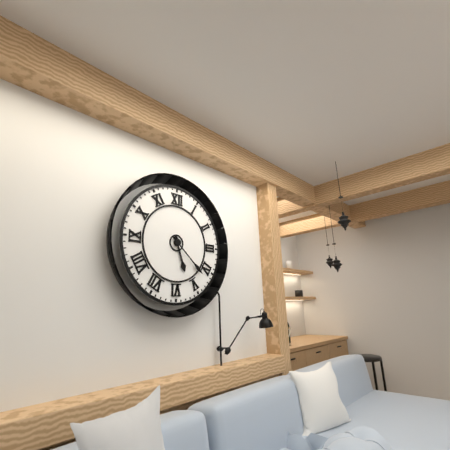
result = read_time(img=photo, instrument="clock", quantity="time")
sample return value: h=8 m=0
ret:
h=5 m=22
